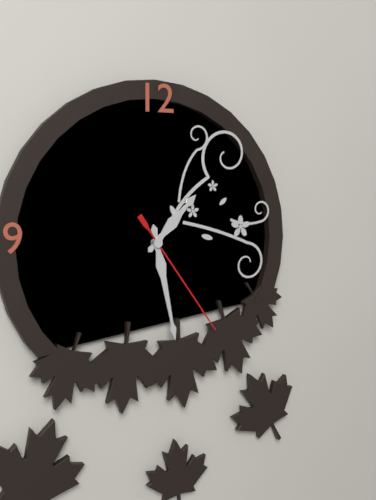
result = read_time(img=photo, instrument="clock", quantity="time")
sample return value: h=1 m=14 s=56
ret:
h=1 m=28 s=24
